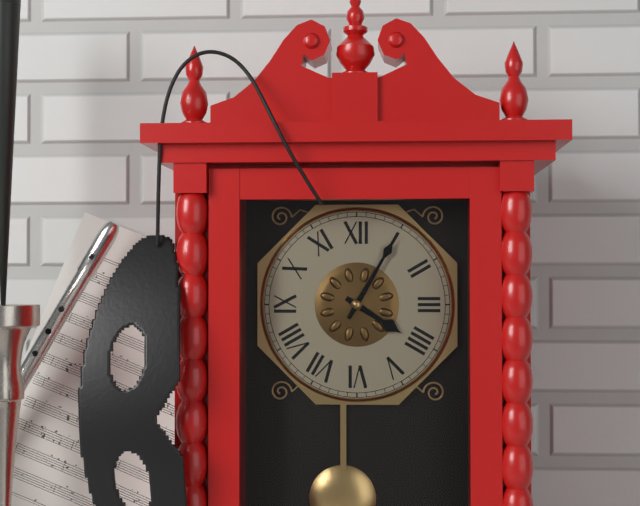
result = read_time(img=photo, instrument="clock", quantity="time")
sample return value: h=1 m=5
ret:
h=4 m=5
